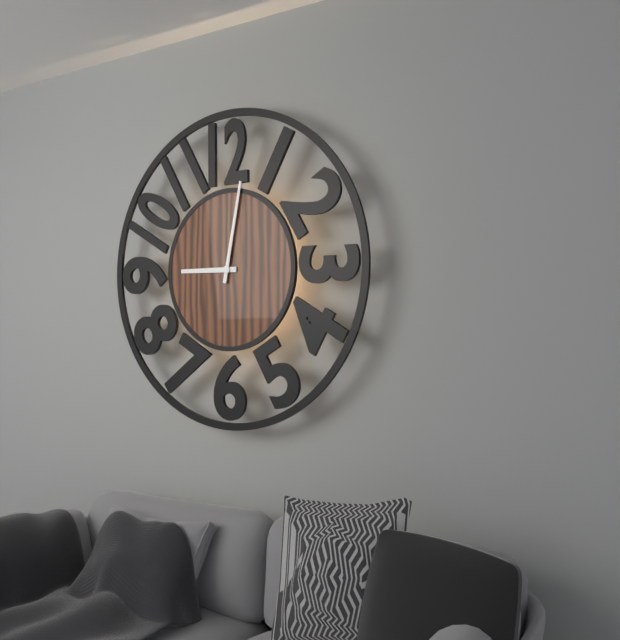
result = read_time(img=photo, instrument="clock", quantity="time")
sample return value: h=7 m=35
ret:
h=9 m=2
